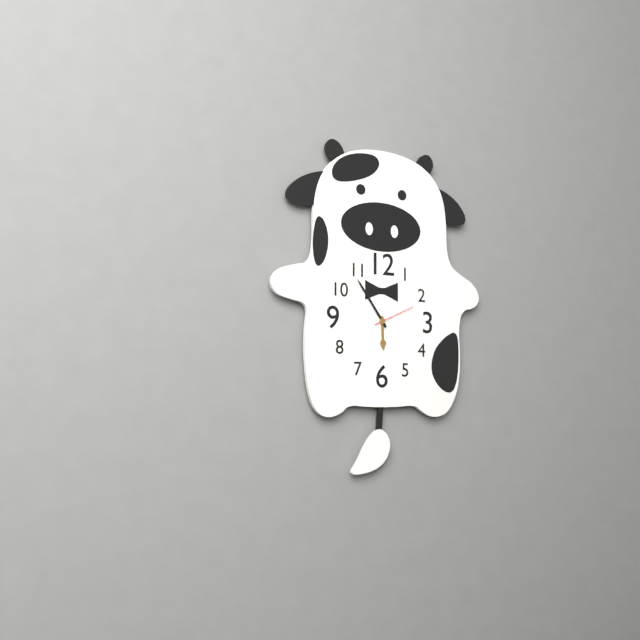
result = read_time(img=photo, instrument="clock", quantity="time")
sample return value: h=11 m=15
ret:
h=5 m=54
